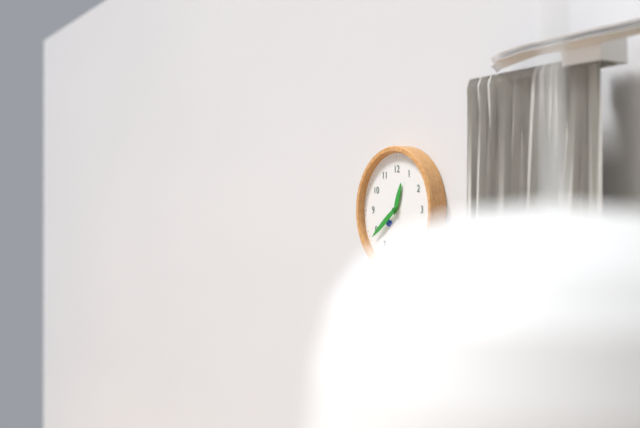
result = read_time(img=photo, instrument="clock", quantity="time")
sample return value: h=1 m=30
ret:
h=12 m=39
